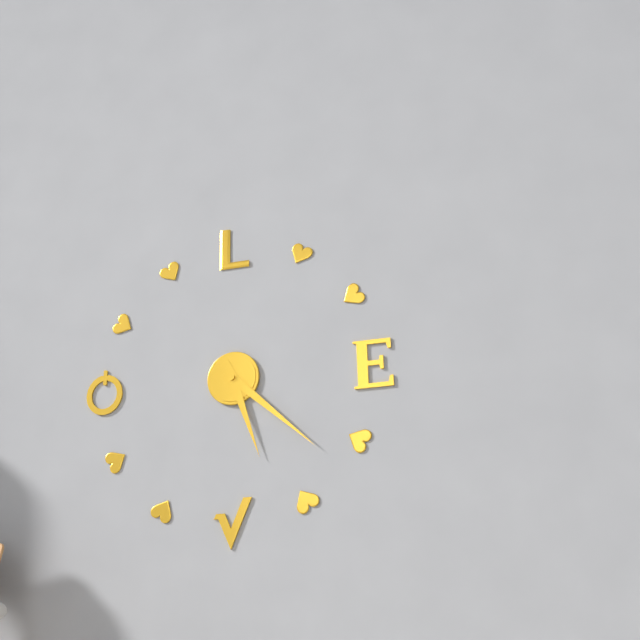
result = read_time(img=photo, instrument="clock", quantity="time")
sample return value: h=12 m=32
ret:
h=5 m=22
